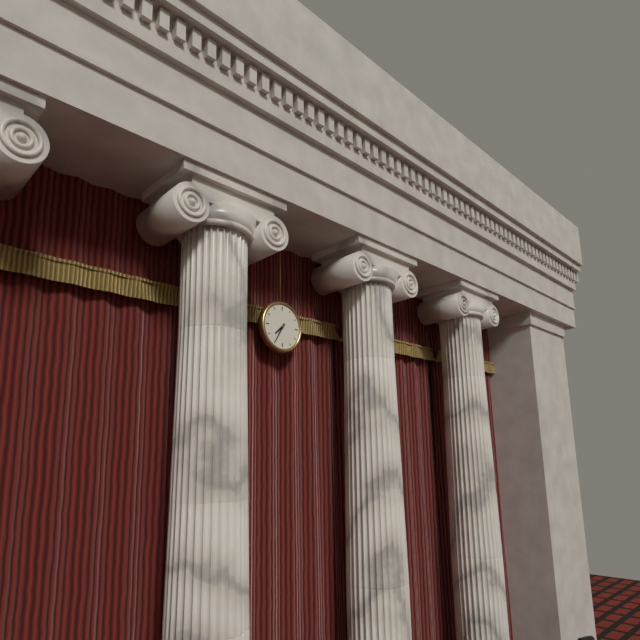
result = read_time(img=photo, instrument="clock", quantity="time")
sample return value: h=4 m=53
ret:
h=7 m=35
